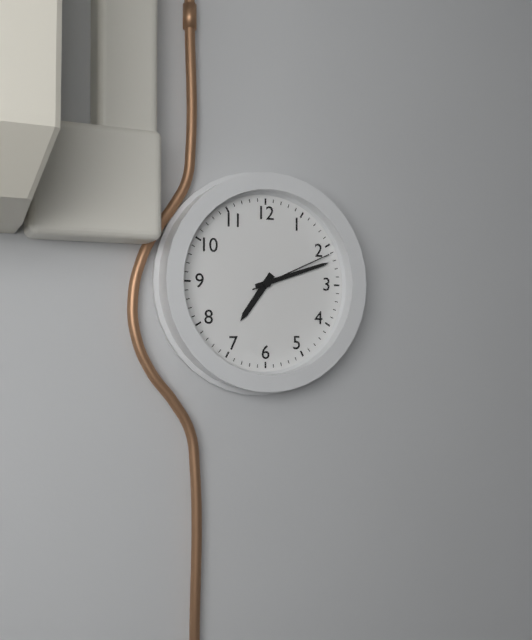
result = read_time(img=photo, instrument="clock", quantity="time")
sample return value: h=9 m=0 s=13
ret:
h=7 m=12 s=11
